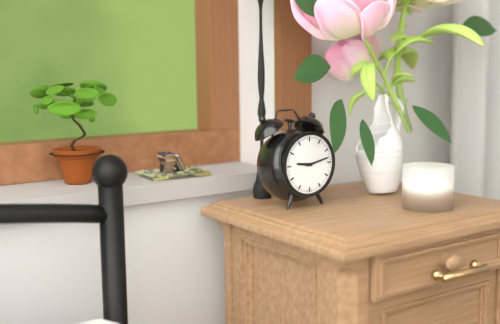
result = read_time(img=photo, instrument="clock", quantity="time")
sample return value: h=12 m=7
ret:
h=9 m=13
